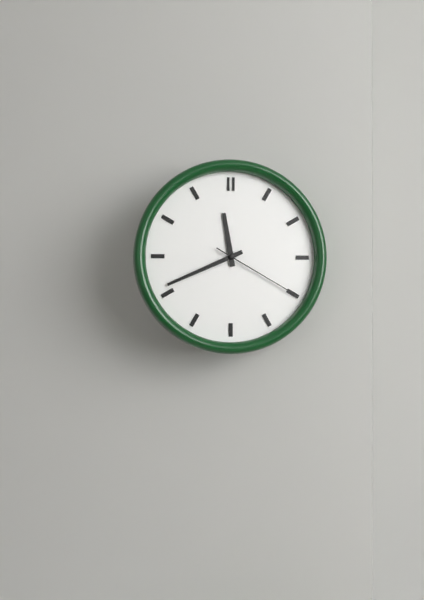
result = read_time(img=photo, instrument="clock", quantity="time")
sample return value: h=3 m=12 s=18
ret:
h=11 m=41 s=20
